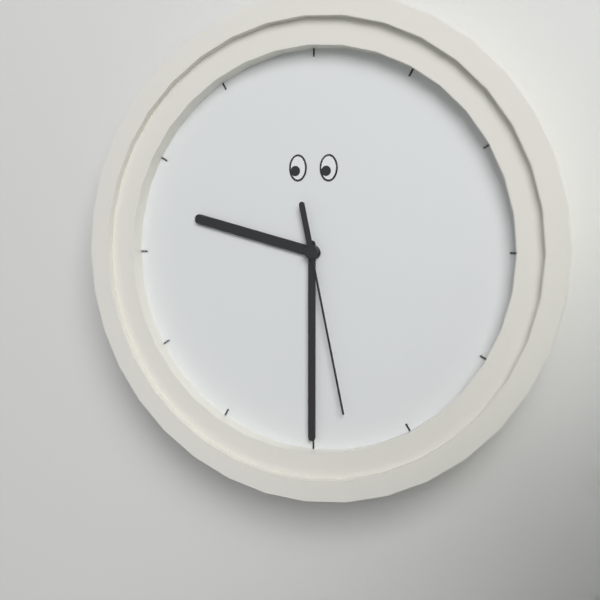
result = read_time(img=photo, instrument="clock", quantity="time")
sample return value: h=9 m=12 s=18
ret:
h=9 m=30 s=28
